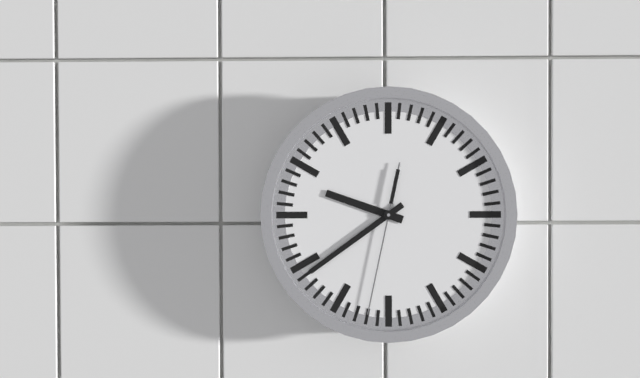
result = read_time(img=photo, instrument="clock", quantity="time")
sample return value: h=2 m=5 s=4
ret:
h=9 m=39 s=32
